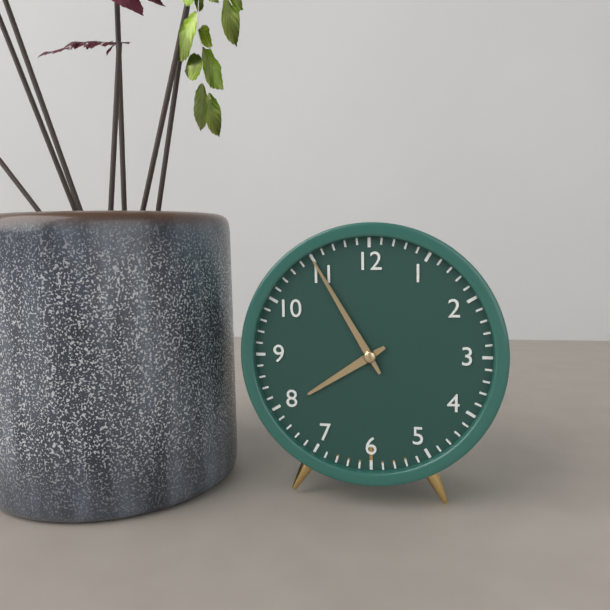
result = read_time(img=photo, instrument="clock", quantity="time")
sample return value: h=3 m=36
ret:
h=7 m=55
